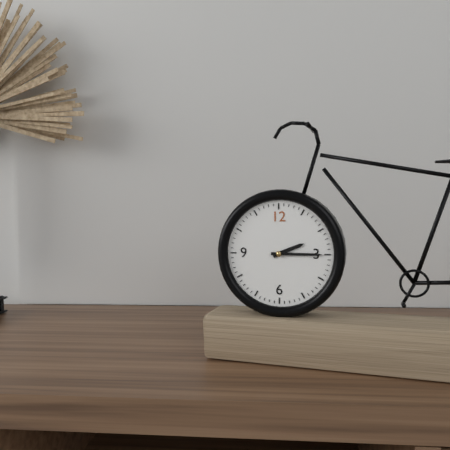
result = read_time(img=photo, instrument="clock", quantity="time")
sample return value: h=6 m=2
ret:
h=2 m=15
